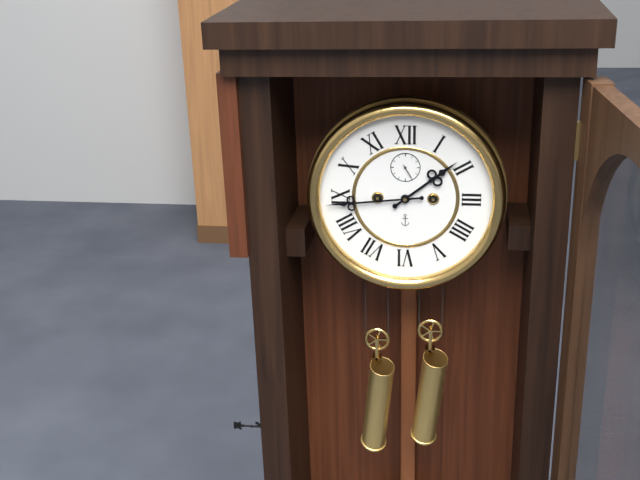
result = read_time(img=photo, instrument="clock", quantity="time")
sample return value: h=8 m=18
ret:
h=1 m=44
